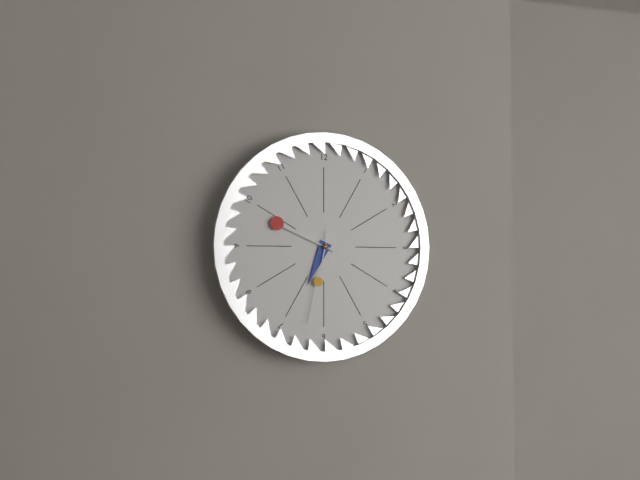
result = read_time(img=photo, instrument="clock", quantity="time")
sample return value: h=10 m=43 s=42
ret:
h=6 m=49 s=32
